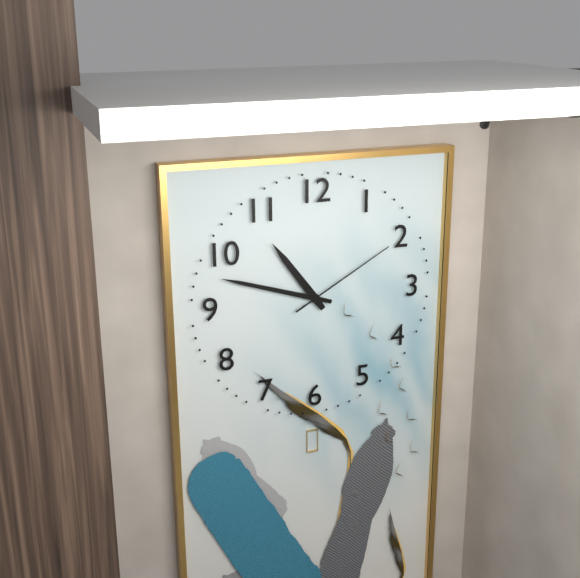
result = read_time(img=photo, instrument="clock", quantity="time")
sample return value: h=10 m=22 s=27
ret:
h=10 m=48 s=10
